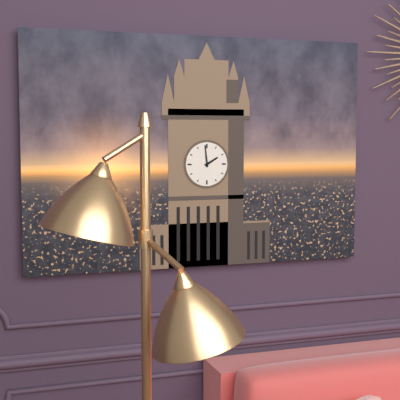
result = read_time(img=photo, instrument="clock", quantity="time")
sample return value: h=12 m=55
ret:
h=1 m=59
